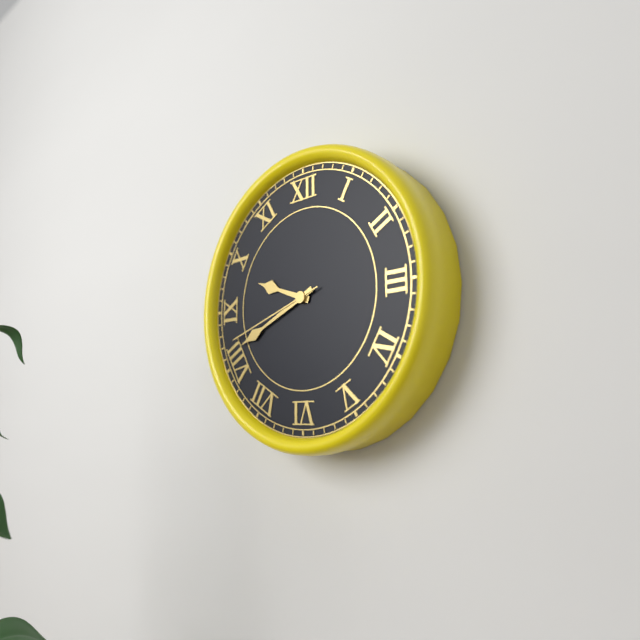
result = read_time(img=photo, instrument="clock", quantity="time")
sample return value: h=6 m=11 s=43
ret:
h=9 m=41 s=42
